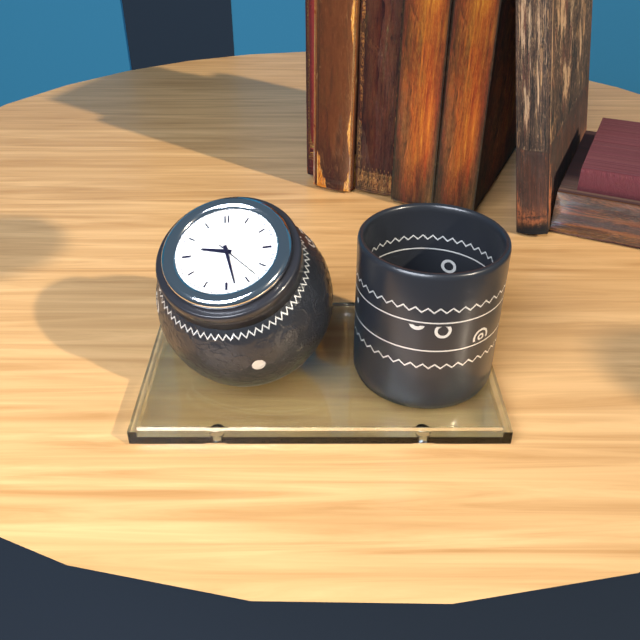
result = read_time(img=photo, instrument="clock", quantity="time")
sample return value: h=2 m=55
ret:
h=9 m=28
